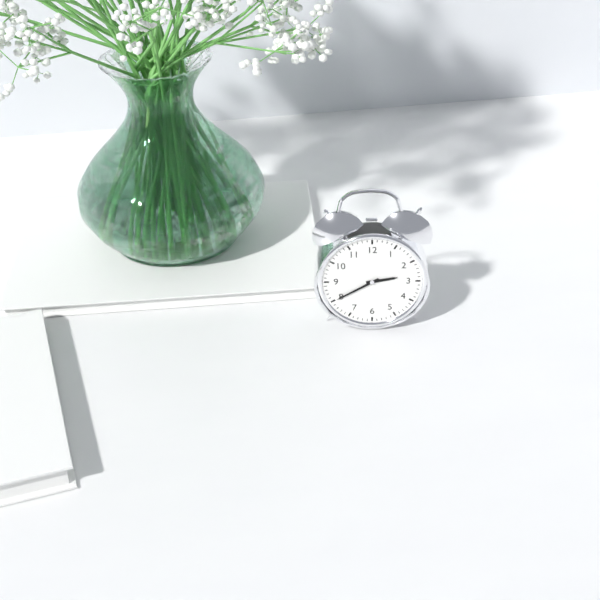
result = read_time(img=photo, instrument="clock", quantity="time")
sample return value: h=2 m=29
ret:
h=2 m=40
